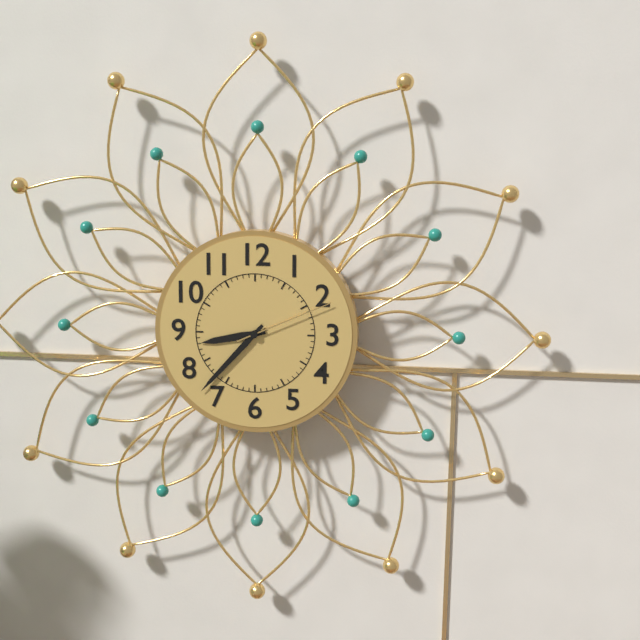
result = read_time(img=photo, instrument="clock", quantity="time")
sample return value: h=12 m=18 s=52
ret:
h=8 m=37 s=11
